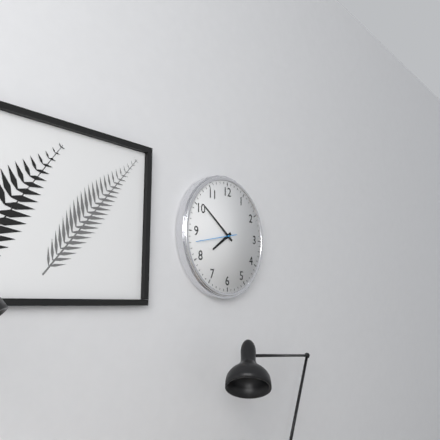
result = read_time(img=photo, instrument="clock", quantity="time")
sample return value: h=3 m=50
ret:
h=7 m=51
